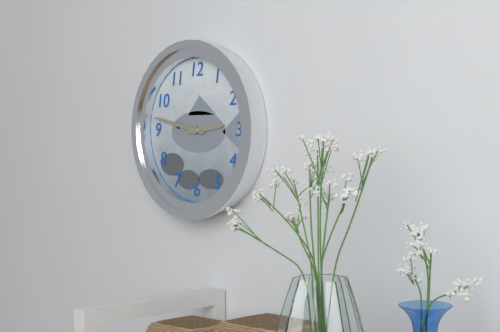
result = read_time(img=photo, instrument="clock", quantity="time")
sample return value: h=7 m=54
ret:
h=2 m=47
